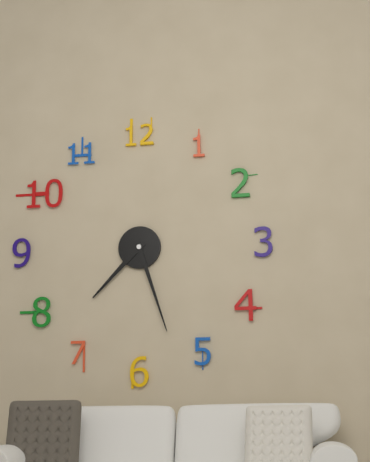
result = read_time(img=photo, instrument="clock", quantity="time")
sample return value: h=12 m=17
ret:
h=7 m=27
